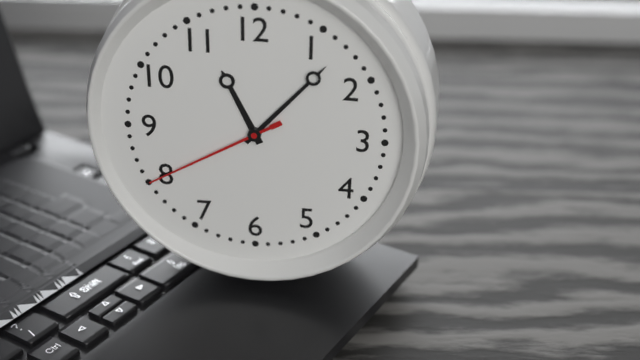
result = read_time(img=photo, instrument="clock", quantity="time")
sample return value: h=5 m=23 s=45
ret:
h=11 m=7 s=40
